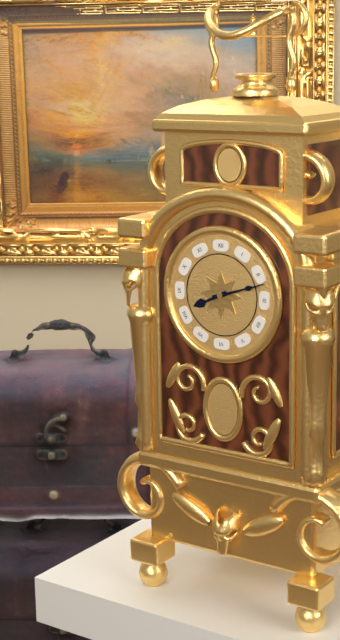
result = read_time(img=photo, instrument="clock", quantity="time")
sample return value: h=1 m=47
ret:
h=8 m=12
